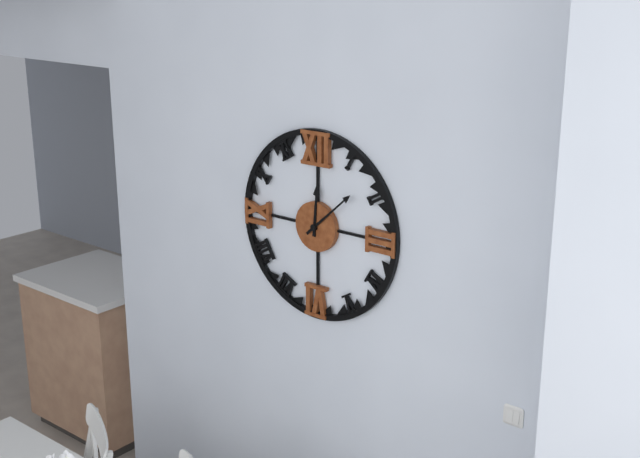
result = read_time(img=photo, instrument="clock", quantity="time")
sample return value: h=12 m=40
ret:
h=12 m=8
